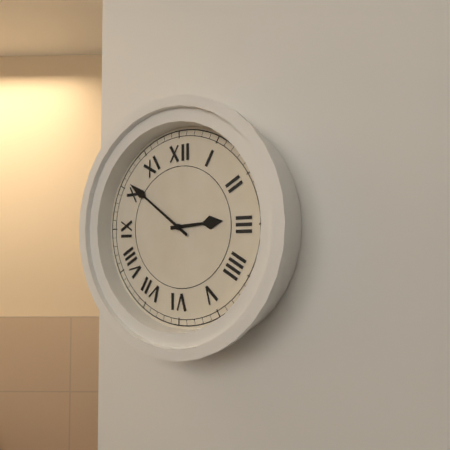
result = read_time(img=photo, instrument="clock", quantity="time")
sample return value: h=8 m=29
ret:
h=2 m=51
